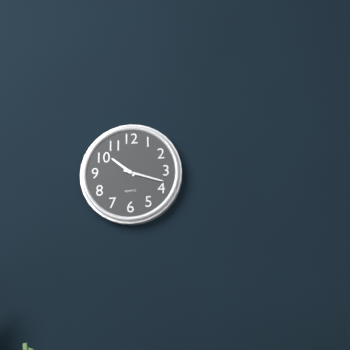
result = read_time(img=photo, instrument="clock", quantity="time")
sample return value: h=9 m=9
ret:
h=10 m=18
